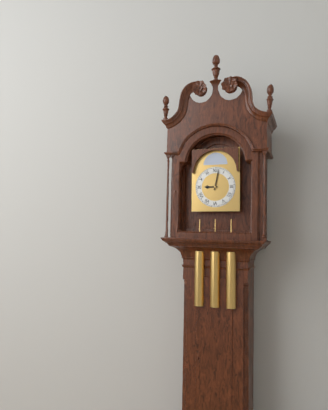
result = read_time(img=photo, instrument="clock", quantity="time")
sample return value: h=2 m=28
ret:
h=9 m=2
